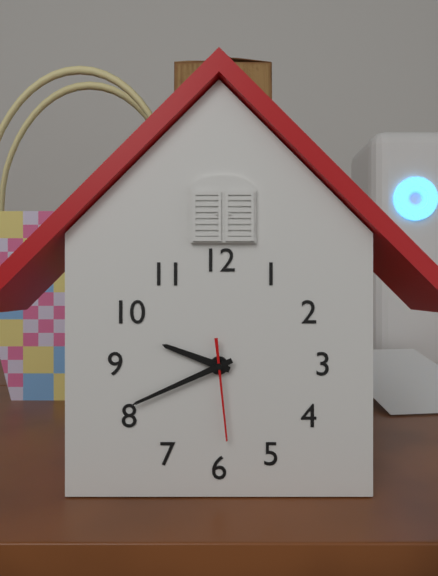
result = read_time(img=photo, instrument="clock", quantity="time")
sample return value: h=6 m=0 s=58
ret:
h=9 m=41 s=29
